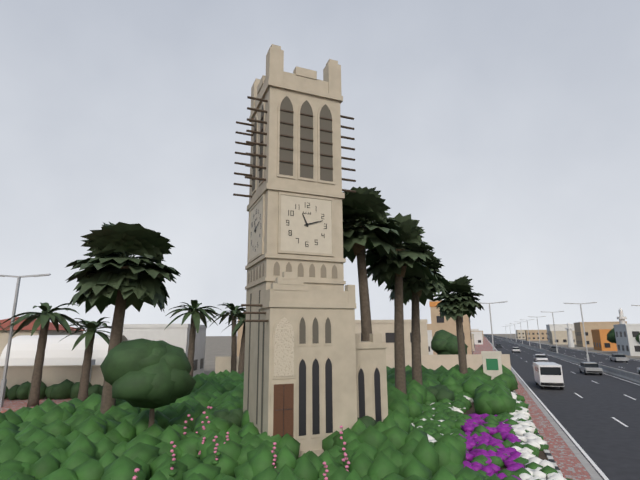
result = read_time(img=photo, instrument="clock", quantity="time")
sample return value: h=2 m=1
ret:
h=11 m=12
